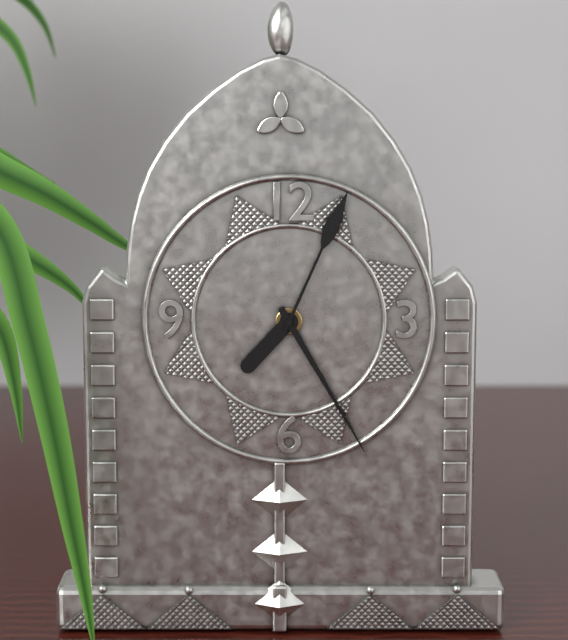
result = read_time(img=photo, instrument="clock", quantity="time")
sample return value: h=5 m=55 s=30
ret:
h=7 m=25 s=4
